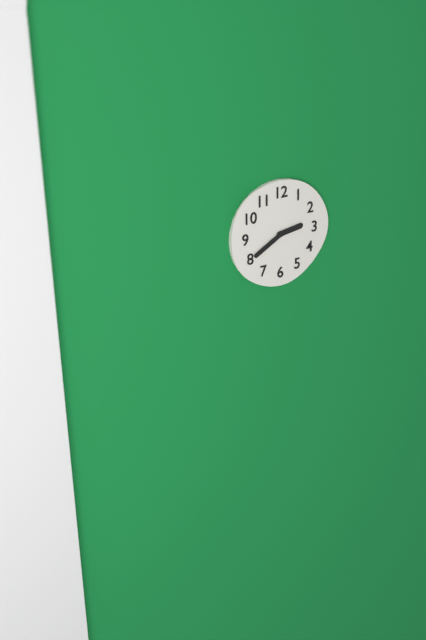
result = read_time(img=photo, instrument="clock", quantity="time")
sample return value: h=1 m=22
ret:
h=2 m=40
